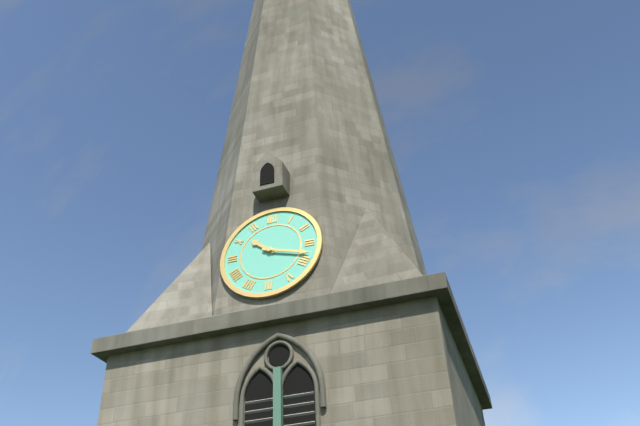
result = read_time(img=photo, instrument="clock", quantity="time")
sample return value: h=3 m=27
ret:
h=10 m=18
